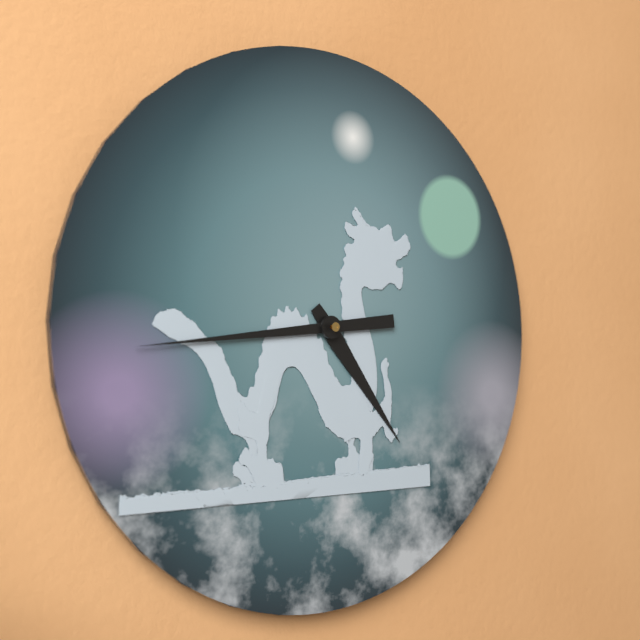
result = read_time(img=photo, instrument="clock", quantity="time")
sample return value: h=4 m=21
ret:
h=4 m=44
